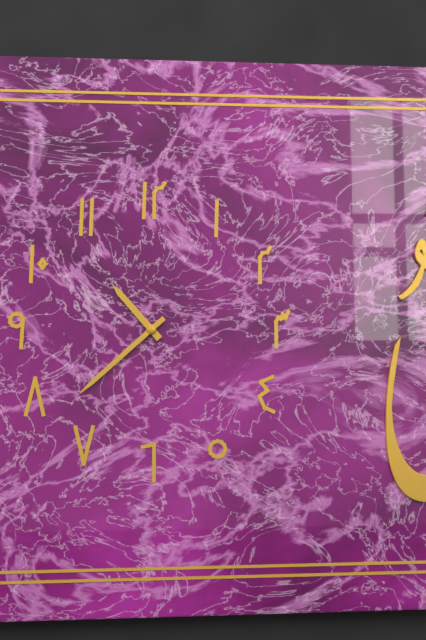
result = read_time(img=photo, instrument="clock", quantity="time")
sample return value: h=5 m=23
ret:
h=10 m=38
